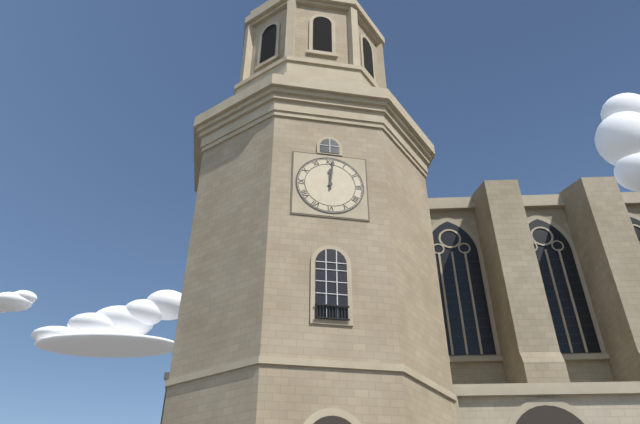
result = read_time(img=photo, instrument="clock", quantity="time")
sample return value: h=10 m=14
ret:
h=12 m=1
